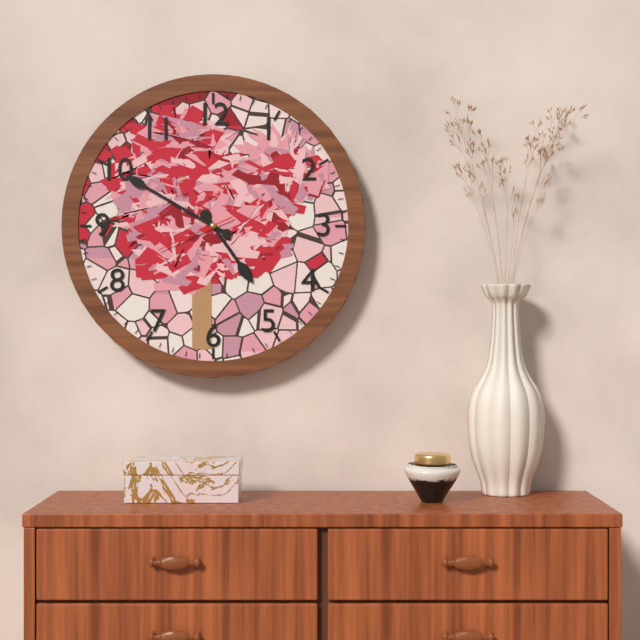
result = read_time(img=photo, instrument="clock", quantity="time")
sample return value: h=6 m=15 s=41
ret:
h=4 m=50 s=41
